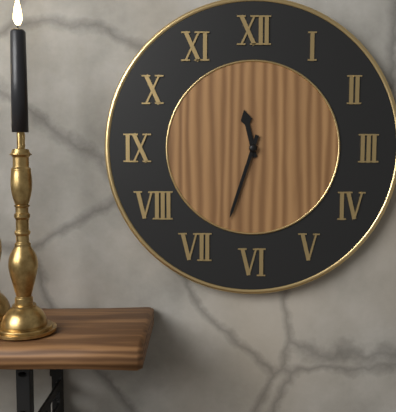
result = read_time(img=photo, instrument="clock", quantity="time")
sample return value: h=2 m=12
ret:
h=11 m=33
